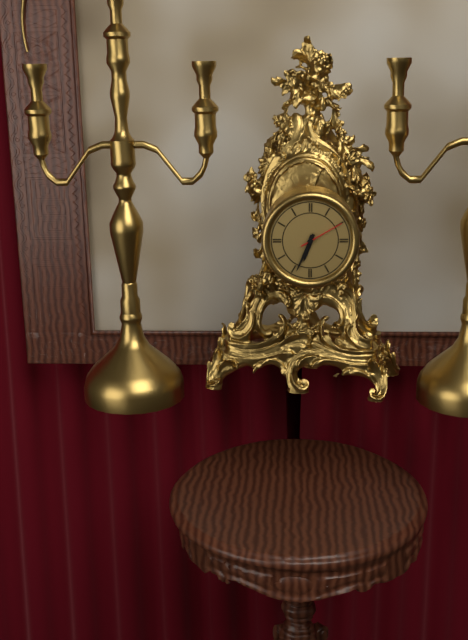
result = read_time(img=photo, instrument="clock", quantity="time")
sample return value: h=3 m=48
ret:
h=6 m=34
